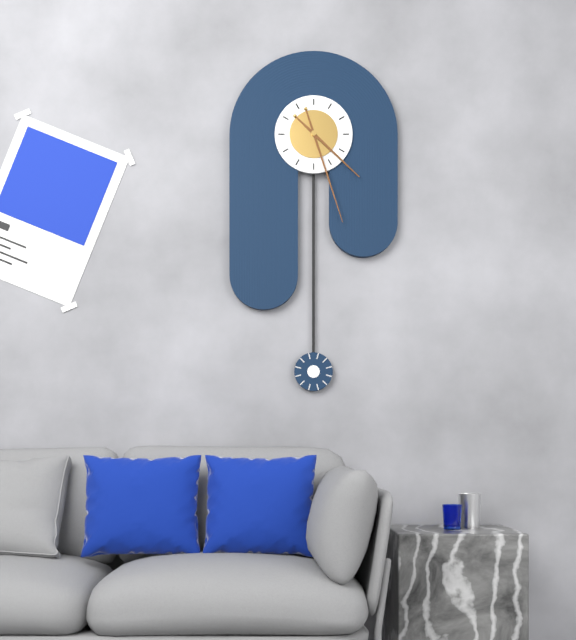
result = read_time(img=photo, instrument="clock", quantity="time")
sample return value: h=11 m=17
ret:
h=4 m=27
